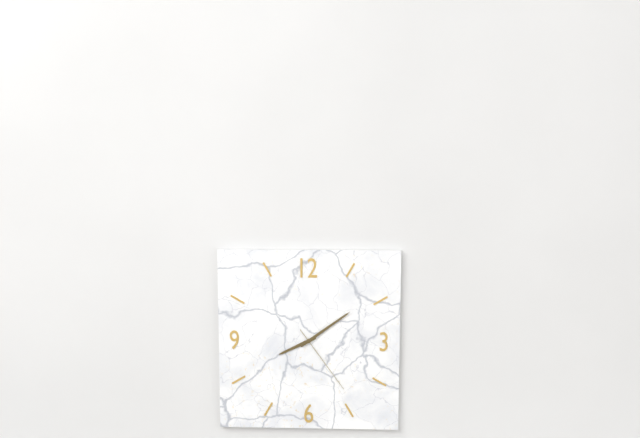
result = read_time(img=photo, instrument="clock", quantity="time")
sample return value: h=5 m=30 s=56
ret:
h=8 m=9 s=24
